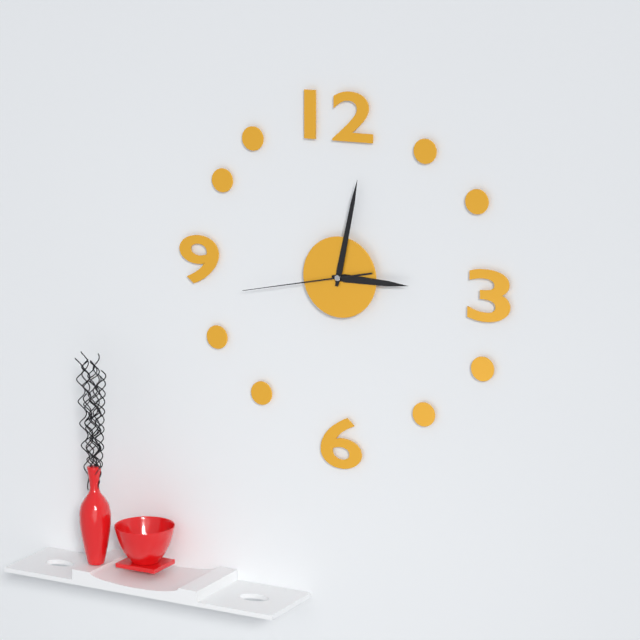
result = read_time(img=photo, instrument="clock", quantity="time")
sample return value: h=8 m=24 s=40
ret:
h=3 m=2 s=43
